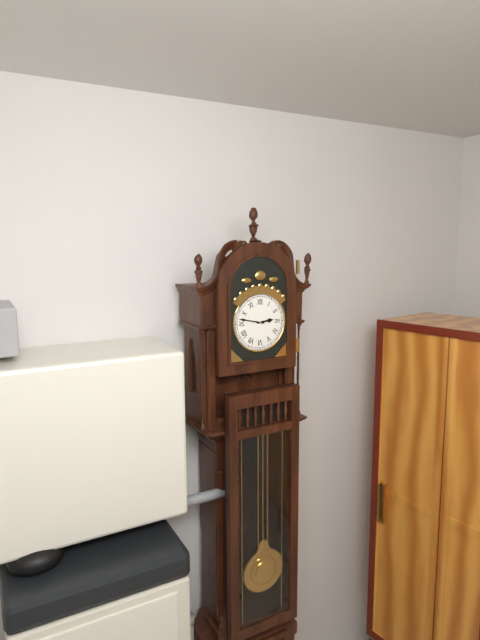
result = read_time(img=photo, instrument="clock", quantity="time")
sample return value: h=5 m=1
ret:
h=2 m=47
